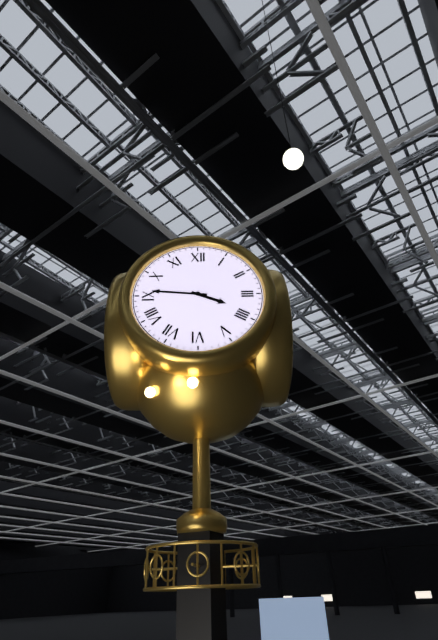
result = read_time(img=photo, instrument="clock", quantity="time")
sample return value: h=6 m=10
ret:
h=3 m=46
